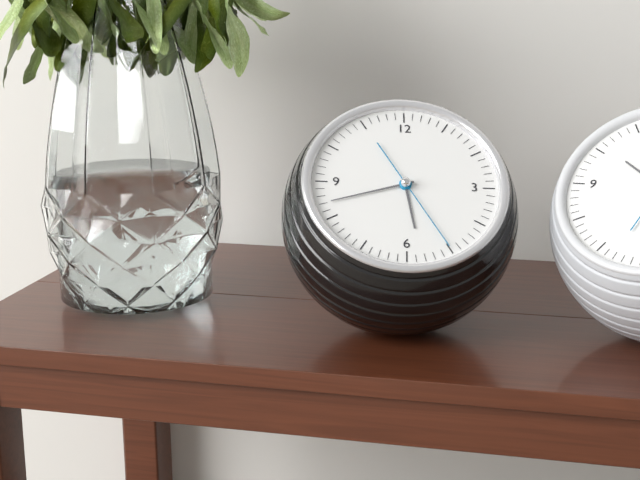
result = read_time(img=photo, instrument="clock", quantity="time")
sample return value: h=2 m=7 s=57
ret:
h=5 m=42 s=25
